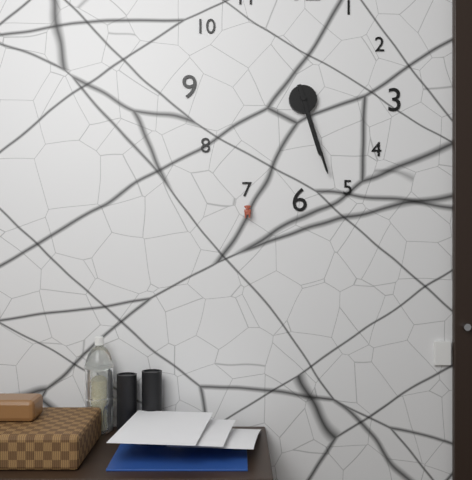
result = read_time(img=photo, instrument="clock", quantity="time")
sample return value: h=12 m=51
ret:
h=5 m=27
